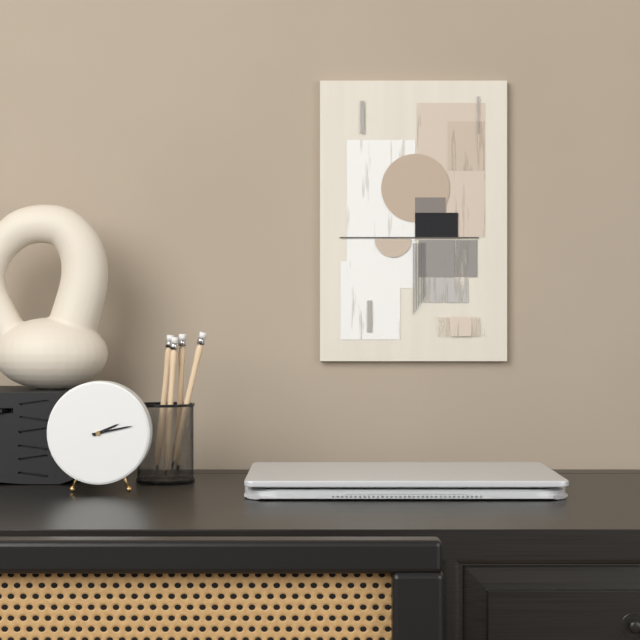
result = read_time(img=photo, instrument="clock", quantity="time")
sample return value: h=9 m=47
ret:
h=2 m=13
